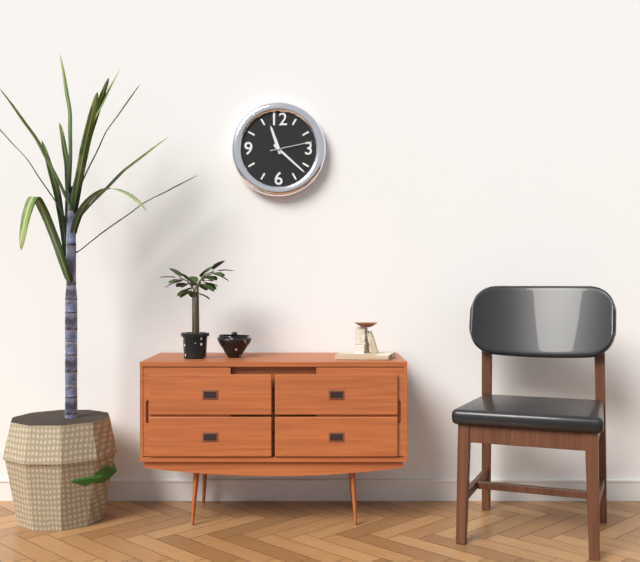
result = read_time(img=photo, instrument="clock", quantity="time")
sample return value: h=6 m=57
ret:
h=11 m=22
